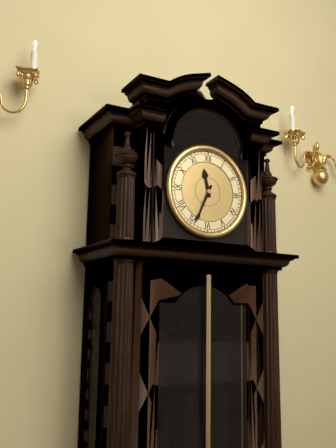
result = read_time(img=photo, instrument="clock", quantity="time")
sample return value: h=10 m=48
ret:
h=11 m=34
